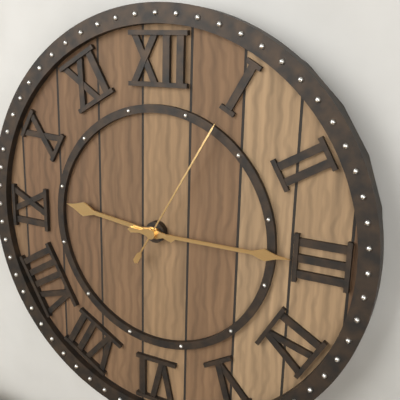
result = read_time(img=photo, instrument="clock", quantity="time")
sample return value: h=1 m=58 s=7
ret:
h=9 m=15 s=5
